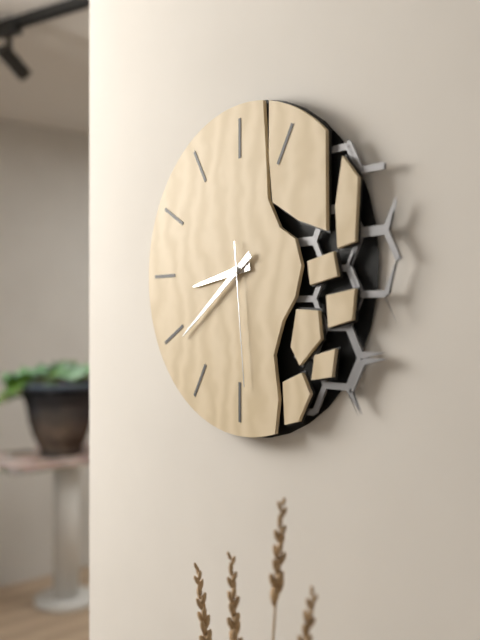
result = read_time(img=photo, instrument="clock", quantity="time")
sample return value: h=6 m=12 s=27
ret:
h=8 m=39 s=29
